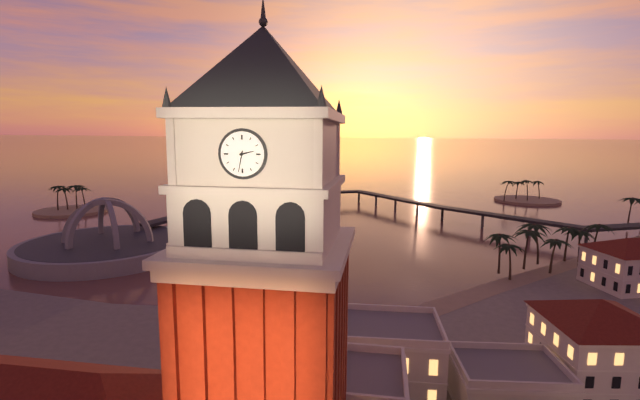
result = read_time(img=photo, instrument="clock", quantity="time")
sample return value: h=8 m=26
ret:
h=2 m=32
